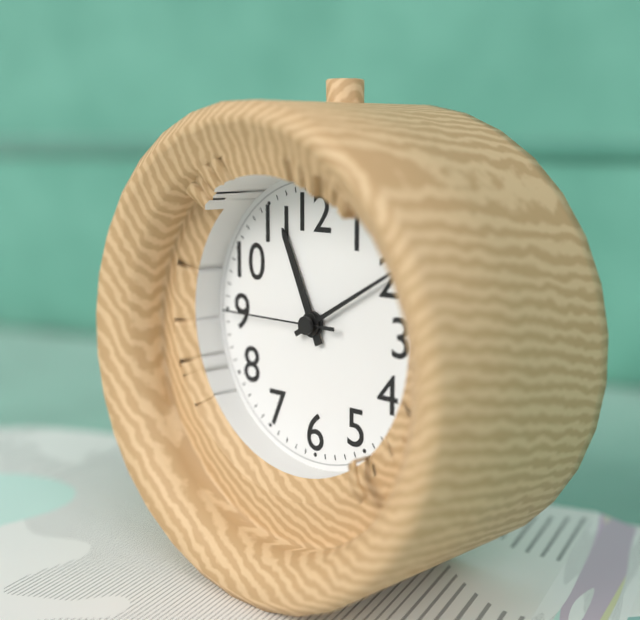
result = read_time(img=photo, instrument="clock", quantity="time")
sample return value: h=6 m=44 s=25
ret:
h=11 m=10 s=45
